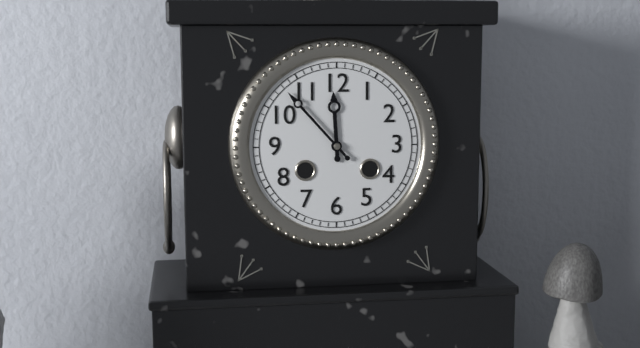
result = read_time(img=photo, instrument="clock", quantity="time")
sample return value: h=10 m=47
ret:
h=11 m=53
